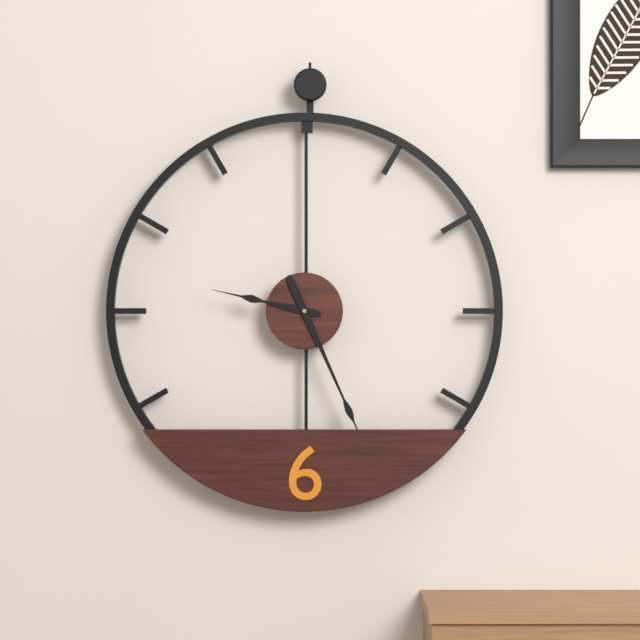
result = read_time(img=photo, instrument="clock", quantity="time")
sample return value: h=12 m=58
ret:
h=9 m=26
